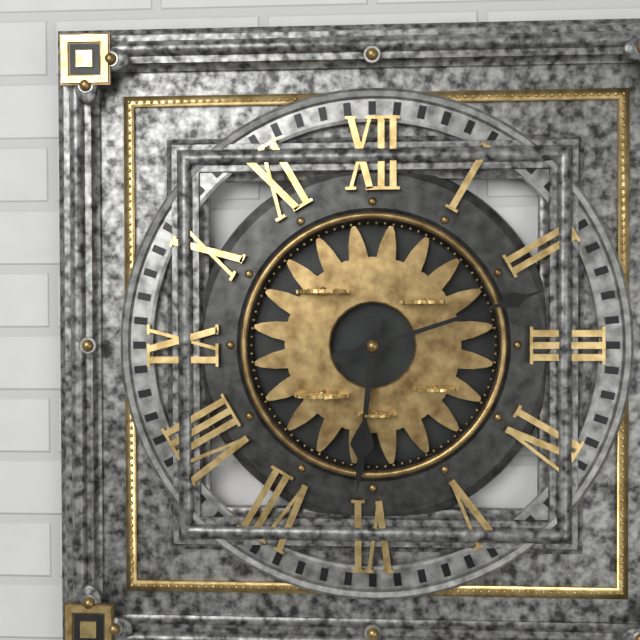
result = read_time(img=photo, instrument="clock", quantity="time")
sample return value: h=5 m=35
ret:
h=6 m=12
